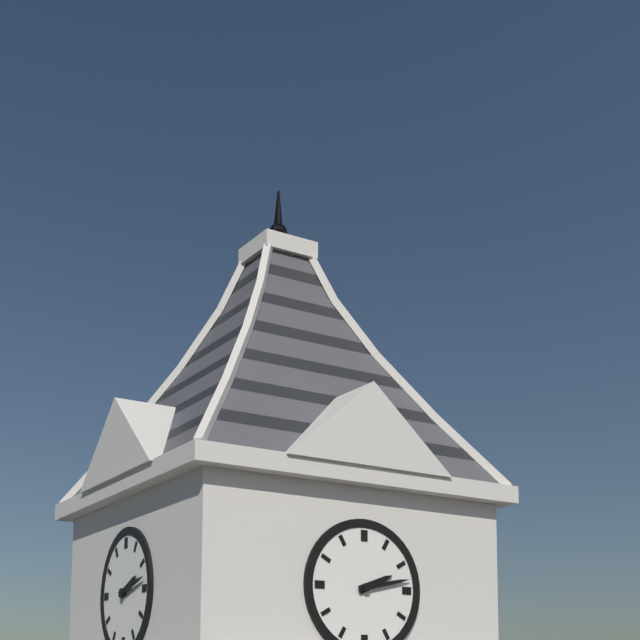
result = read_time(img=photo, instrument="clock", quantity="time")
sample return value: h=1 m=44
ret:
h=2 m=13
